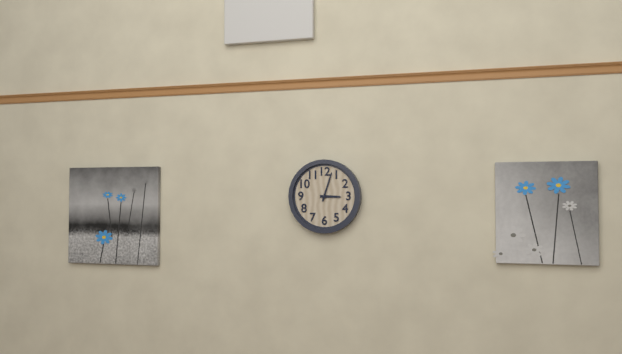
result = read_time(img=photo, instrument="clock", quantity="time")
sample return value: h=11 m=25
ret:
h=3 m=3
